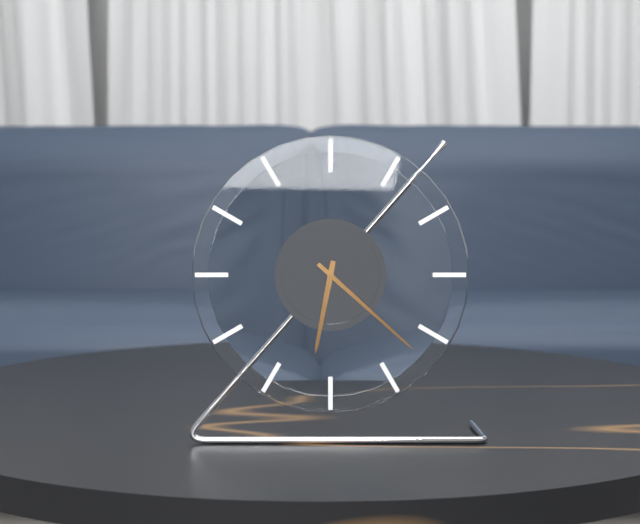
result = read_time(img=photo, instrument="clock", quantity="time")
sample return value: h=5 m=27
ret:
h=6 m=22
